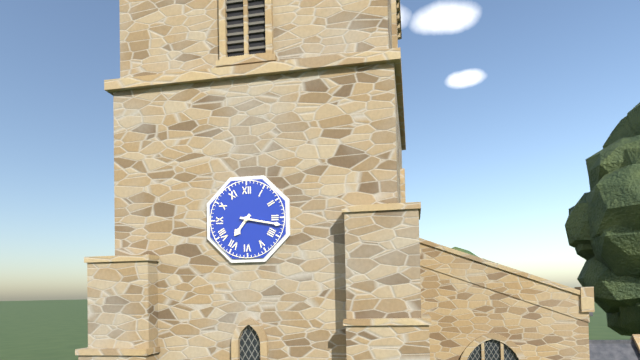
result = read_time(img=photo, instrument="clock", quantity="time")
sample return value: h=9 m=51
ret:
h=7 m=17
